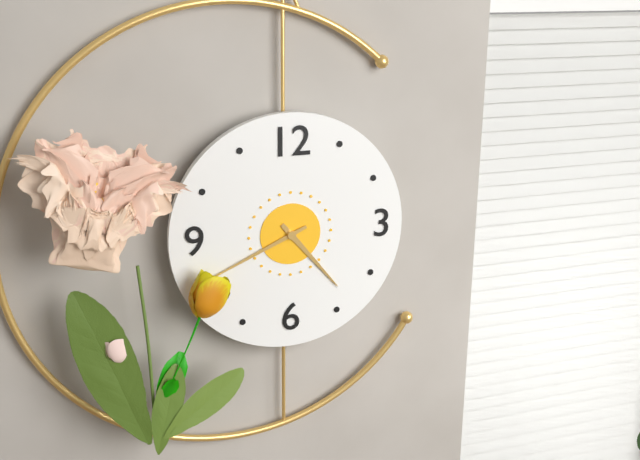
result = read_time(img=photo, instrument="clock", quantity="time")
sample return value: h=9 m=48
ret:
h=4 m=41
